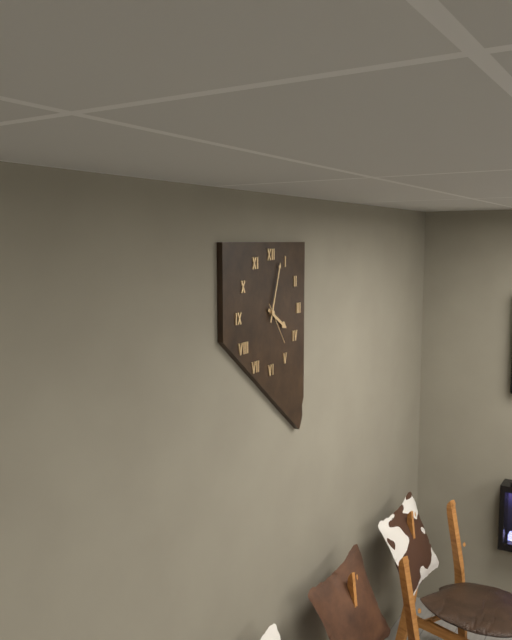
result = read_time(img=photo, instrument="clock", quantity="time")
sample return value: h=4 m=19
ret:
h=4 m=3
